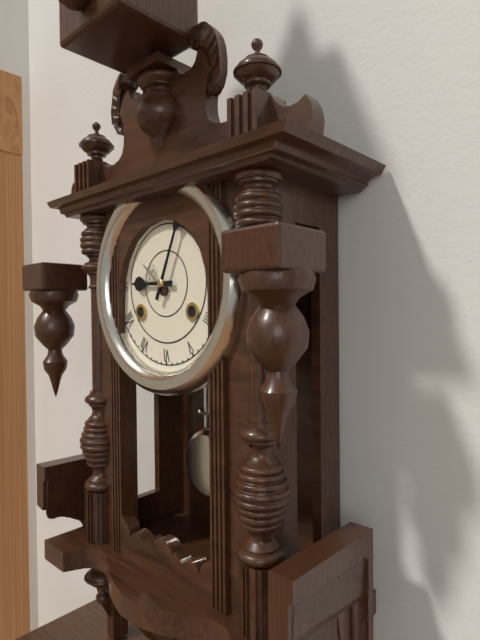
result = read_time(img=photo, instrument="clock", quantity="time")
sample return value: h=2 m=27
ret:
h=9 m=4
